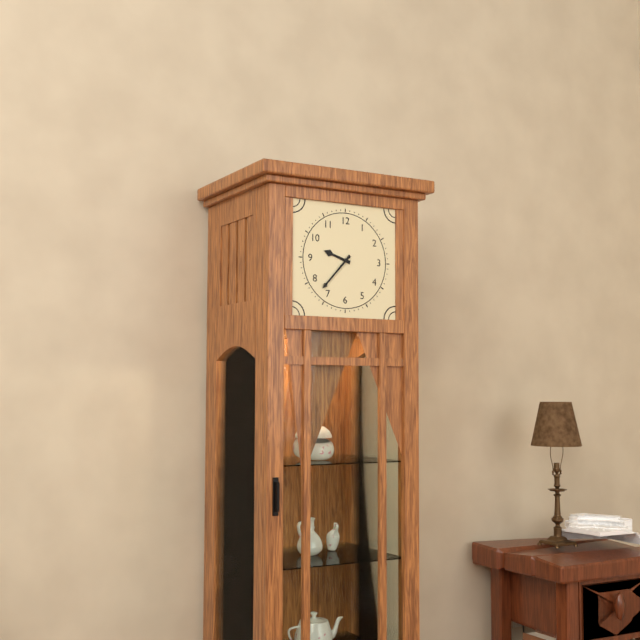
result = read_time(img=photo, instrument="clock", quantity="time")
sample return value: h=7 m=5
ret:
h=9 m=37
